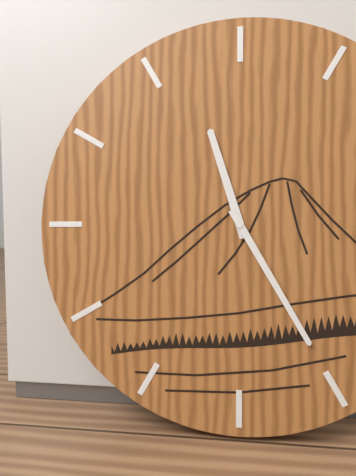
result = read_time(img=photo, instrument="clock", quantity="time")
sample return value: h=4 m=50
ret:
h=11 m=25
